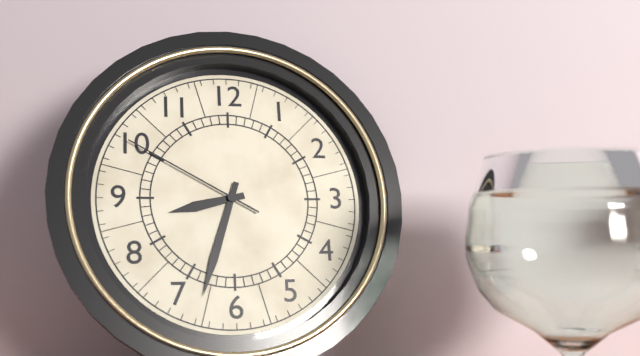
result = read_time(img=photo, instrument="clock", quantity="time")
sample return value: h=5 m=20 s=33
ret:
h=8 m=33 s=50
